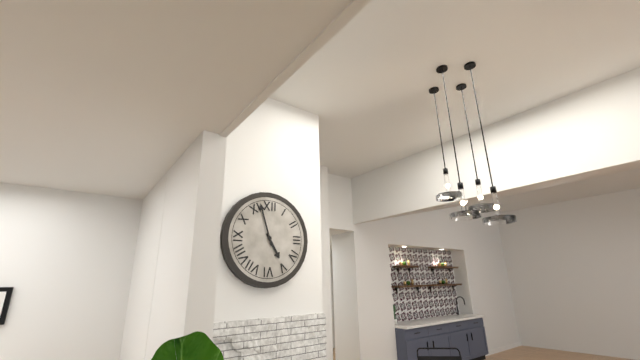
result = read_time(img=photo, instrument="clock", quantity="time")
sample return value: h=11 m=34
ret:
h=4 m=57
